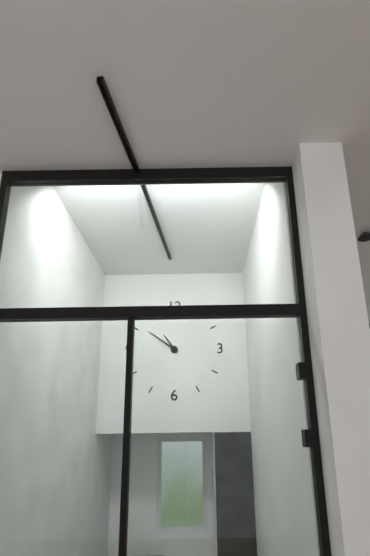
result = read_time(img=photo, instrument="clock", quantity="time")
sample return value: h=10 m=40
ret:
h=10 m=51
